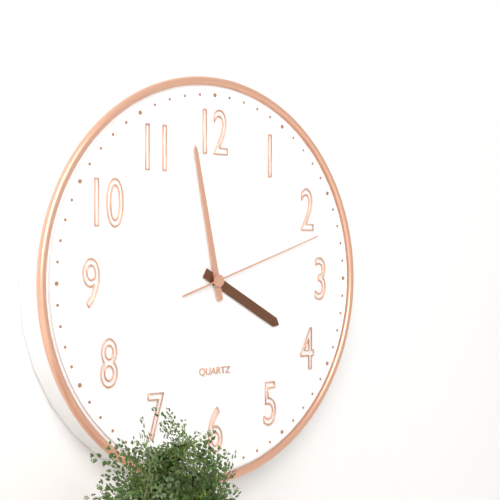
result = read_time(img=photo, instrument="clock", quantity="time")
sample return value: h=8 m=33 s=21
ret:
h=3 m=58 s=12
